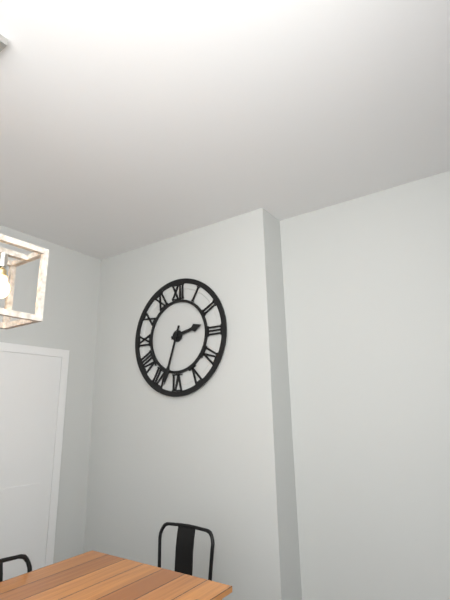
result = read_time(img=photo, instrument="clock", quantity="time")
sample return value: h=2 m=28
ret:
h=2 m=33
